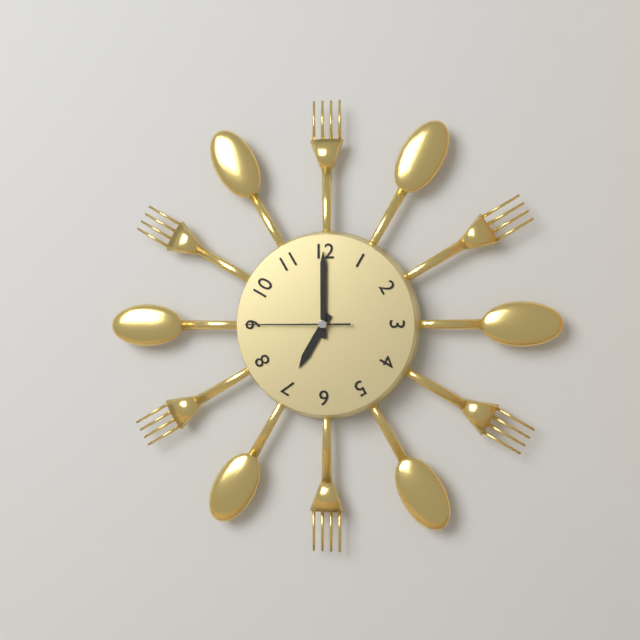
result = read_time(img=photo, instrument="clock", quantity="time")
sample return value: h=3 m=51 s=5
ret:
h=7 m=0 s=45
